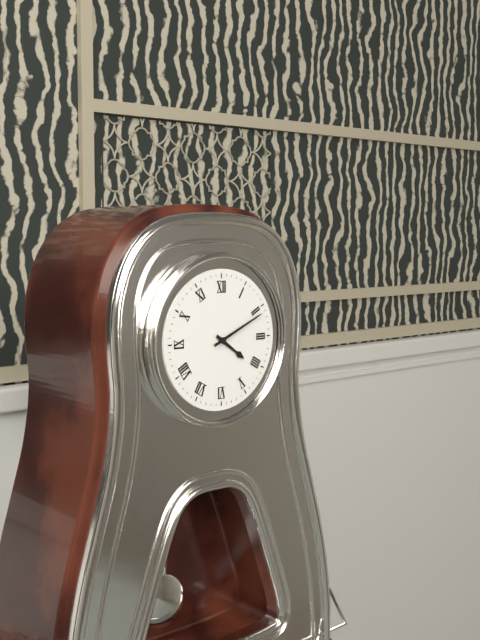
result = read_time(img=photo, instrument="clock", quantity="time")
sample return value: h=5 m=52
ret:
h=4 m=11
